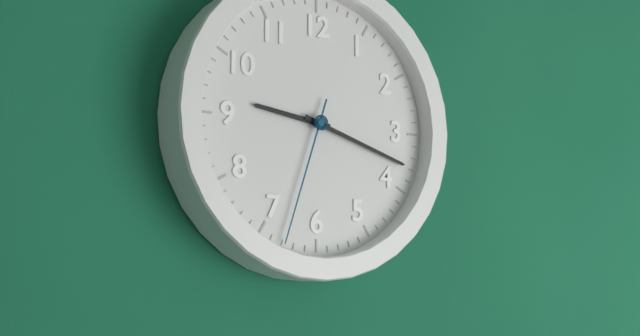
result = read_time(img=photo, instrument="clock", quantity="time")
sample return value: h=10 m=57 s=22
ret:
h=9 m=18 s=33
